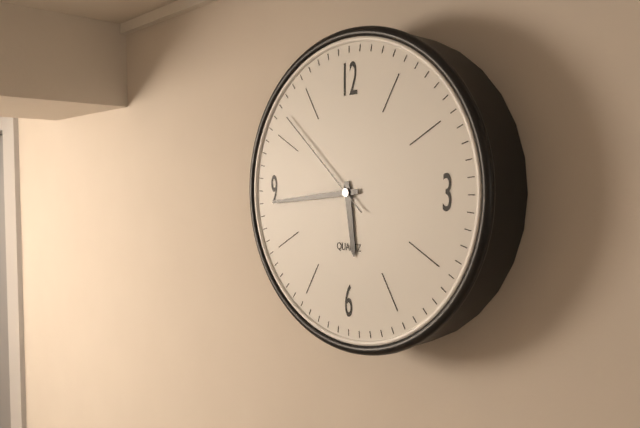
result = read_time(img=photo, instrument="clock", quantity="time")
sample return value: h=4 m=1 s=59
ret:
h=5 m=44 s=52
